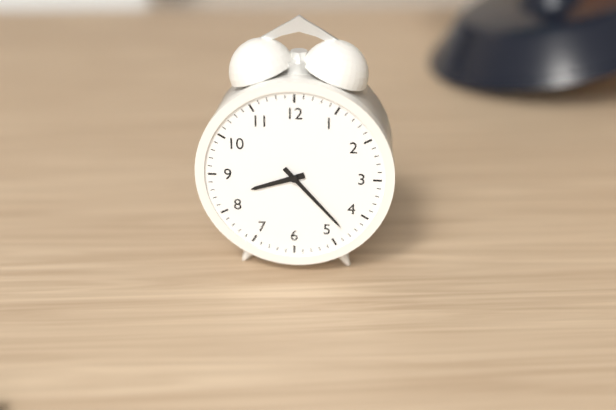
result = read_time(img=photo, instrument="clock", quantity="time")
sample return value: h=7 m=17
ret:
h=8 m=23
